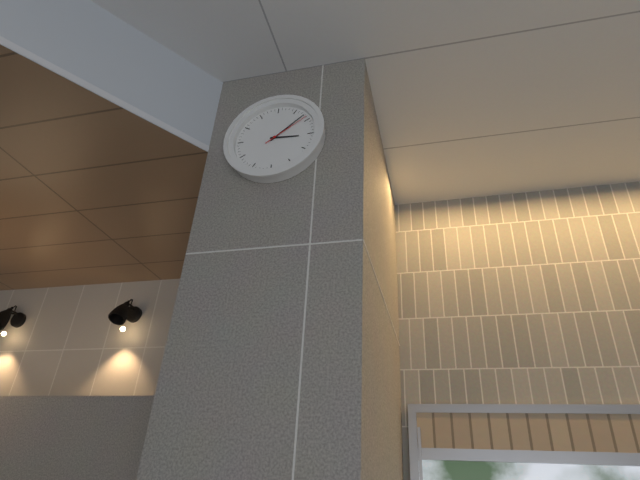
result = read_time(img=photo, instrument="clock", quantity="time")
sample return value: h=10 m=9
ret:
h=3 m=8
